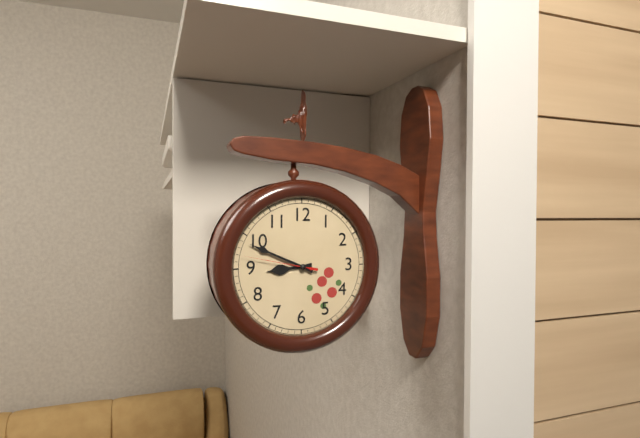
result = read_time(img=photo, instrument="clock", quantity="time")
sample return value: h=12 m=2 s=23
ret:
h=8 m=49 s=47
